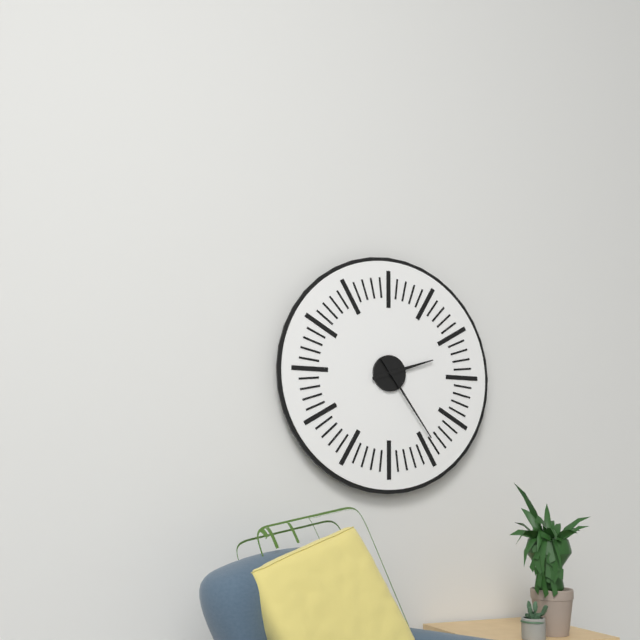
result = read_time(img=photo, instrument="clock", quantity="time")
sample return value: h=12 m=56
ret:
h=2 m=24
